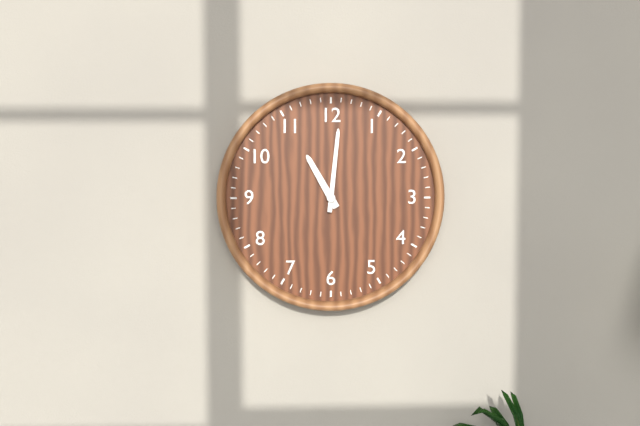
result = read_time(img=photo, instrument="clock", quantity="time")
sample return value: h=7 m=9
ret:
h=11 m=1
